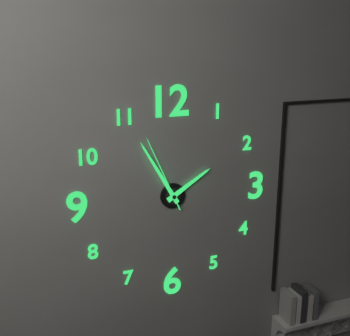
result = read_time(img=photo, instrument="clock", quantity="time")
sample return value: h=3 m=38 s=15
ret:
h=1 m=55 s=56
